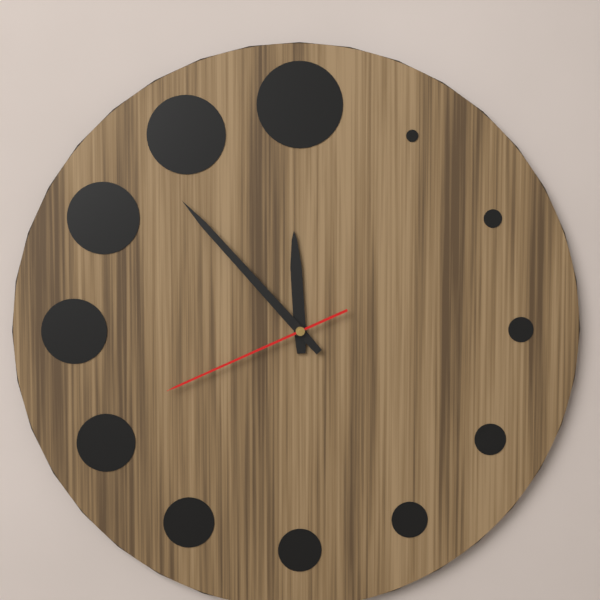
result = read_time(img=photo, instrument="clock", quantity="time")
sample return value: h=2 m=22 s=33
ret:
h=11 m=53 s=41
